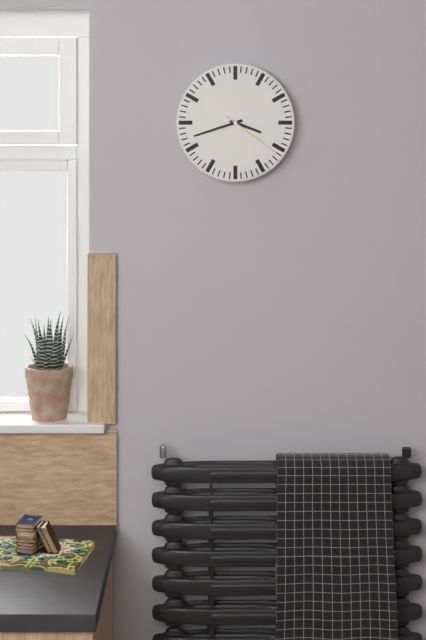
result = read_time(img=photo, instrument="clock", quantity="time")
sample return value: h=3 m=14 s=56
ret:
h=3 m=42 s=21
